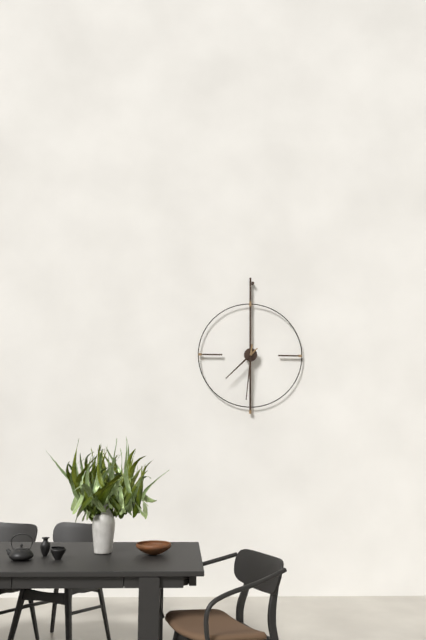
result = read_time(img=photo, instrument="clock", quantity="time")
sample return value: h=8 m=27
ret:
h=7 m=31
